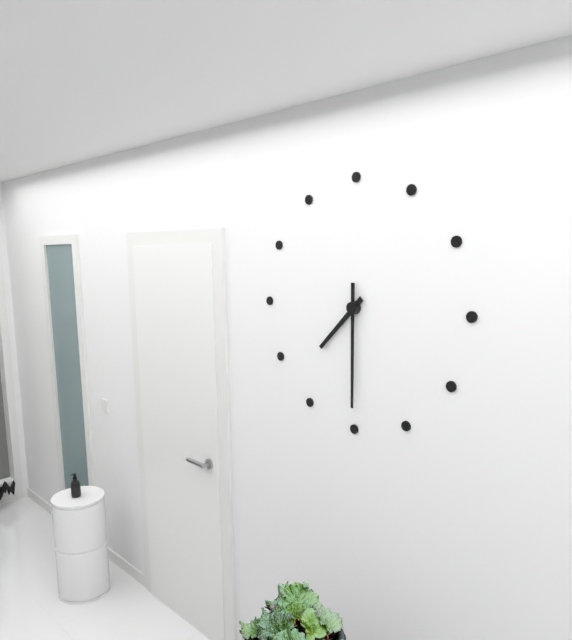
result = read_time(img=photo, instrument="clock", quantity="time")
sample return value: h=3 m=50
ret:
h=7 m=30
